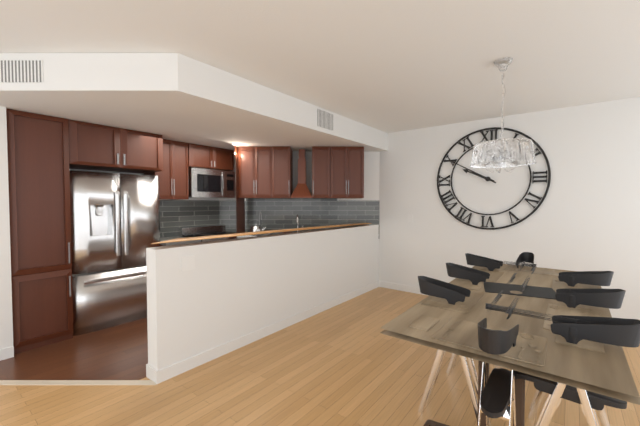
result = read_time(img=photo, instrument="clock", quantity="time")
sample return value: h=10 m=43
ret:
h=9 m=50
